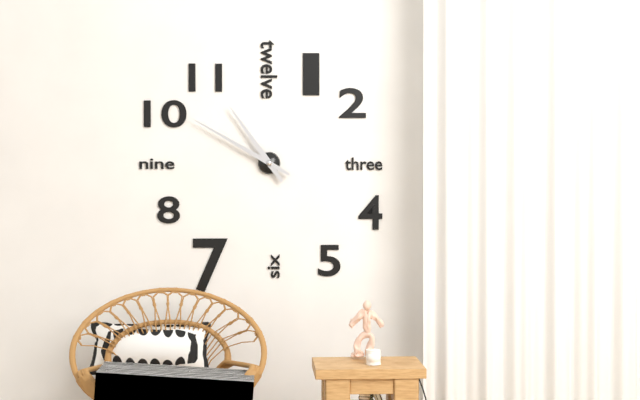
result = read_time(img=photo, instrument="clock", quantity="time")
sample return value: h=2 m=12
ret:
h=10 m=50
